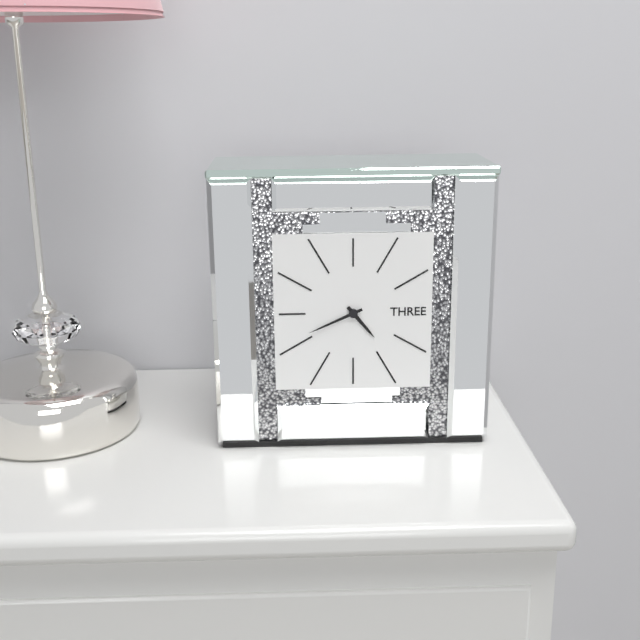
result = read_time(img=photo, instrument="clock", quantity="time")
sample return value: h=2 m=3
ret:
h=4 m=41
